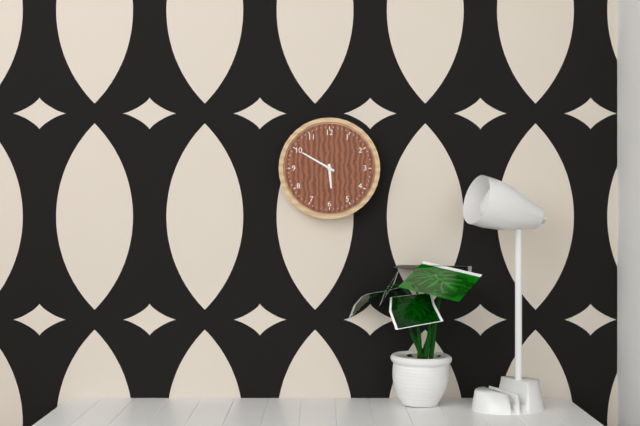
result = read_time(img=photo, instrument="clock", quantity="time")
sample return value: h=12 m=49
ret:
h=5 m=50
